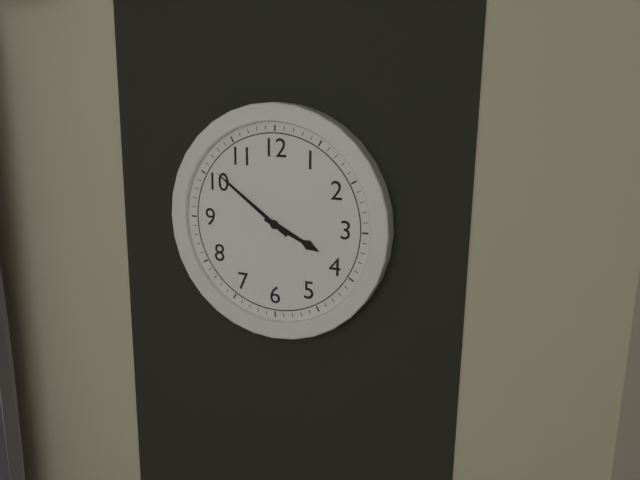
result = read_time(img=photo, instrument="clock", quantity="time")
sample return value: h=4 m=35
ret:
h=3 m=51
